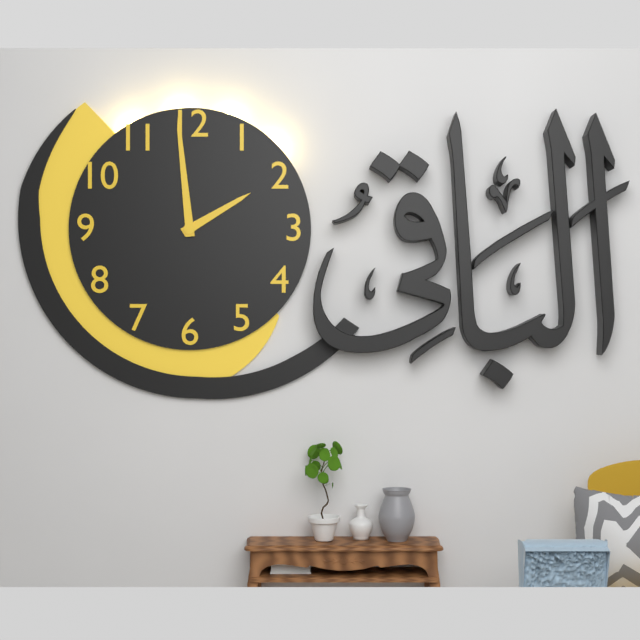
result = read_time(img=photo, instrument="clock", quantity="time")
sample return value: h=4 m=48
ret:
h=1 m=59
